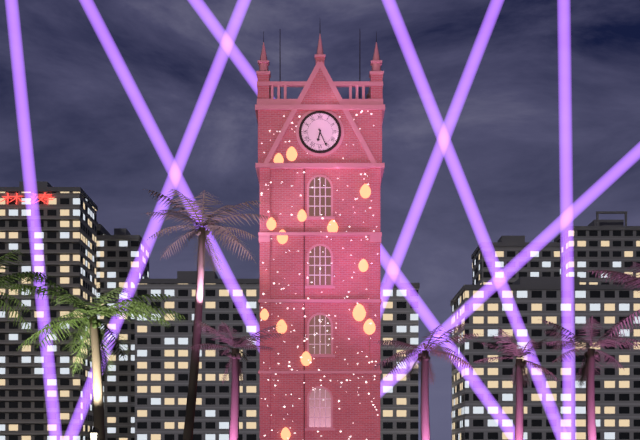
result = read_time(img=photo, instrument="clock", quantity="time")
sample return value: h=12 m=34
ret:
h=6 m=26
